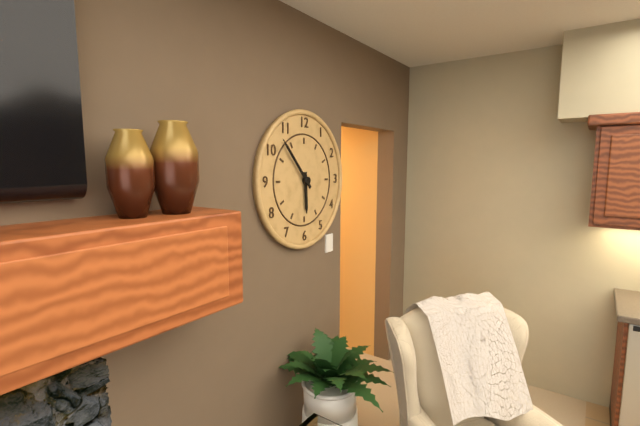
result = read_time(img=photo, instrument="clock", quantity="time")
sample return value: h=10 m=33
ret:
h=5 m=53
